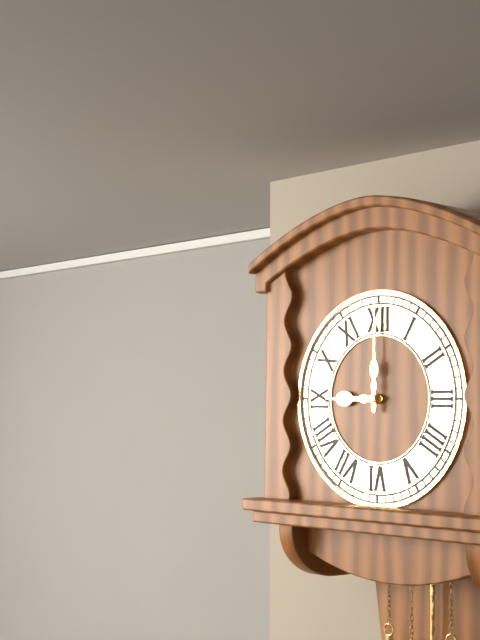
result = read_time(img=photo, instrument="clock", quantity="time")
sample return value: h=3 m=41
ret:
h=9 m=0
